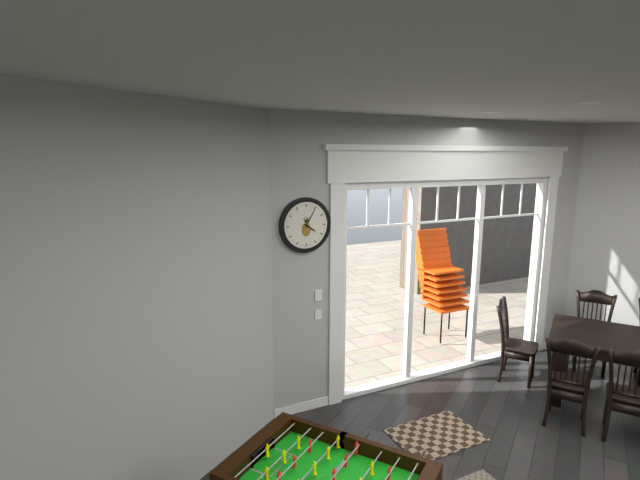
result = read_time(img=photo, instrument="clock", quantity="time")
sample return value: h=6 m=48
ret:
h=4 m=5
